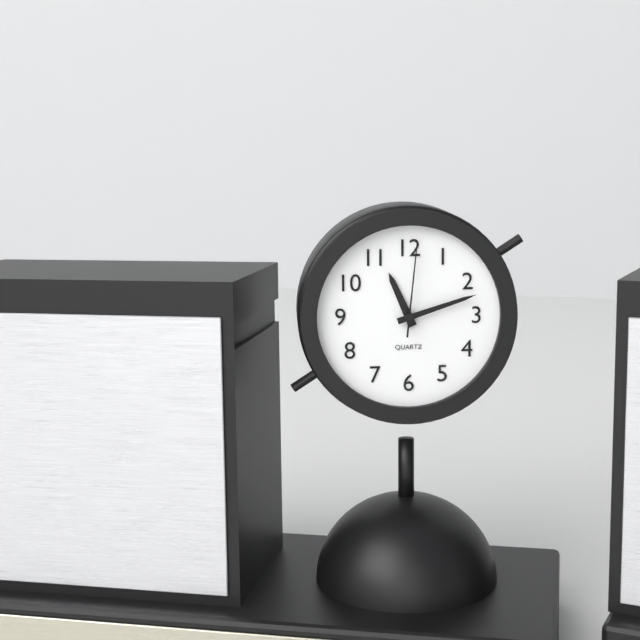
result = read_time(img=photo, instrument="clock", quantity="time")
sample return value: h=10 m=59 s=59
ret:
h=11 m=12 s=1
